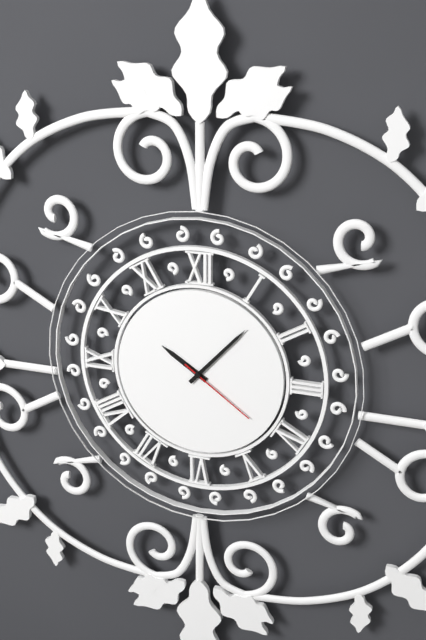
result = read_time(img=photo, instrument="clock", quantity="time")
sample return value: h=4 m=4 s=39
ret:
h=10 m=7 s=21
